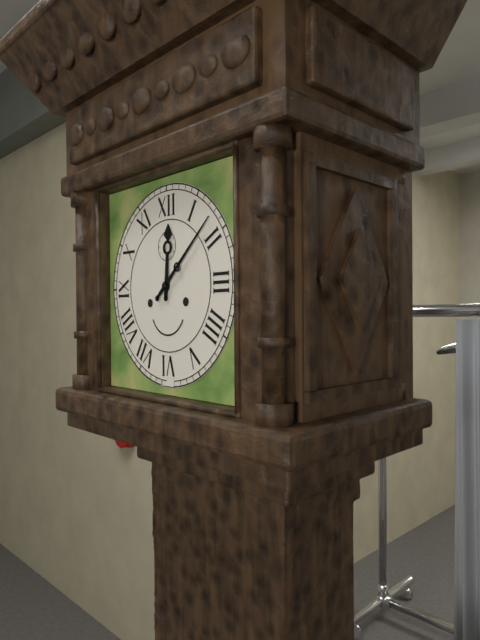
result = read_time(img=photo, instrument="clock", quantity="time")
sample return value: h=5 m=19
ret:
h=12 m=8
